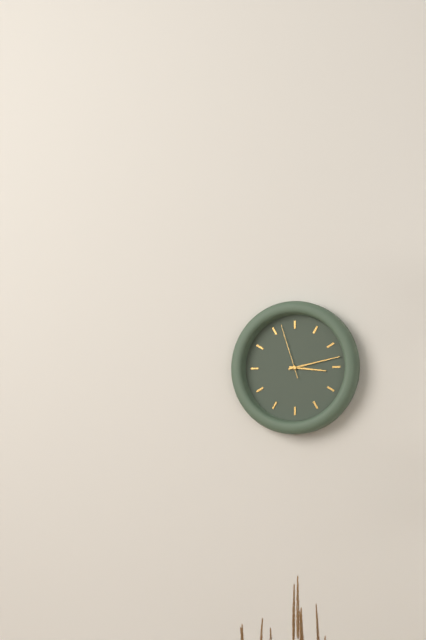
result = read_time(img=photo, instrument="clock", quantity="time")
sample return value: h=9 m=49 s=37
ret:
h=3 m=13 s=57
